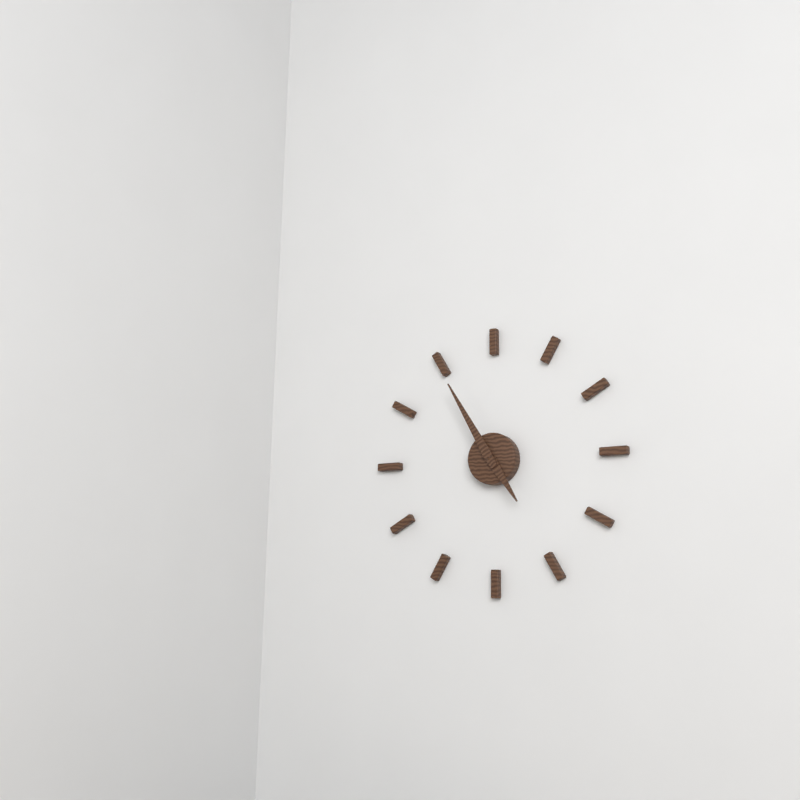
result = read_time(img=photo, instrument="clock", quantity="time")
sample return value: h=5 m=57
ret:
h=4 m=55
